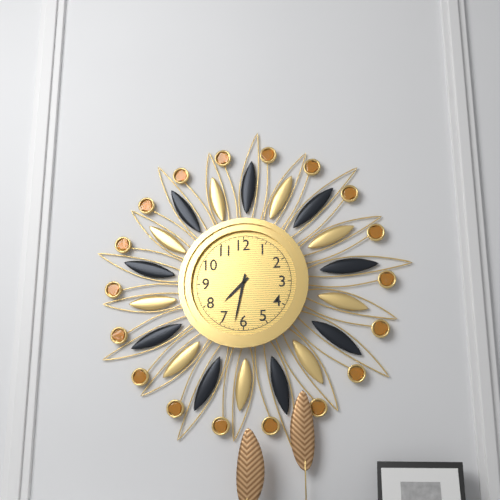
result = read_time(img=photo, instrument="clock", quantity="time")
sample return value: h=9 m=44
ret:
h=7 m=32
